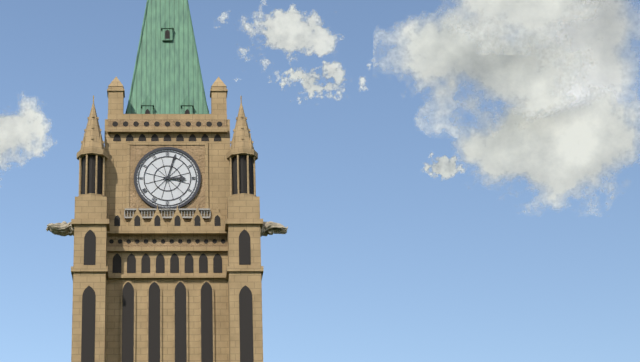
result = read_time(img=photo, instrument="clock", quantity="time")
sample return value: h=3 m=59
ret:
h=3 m=3
